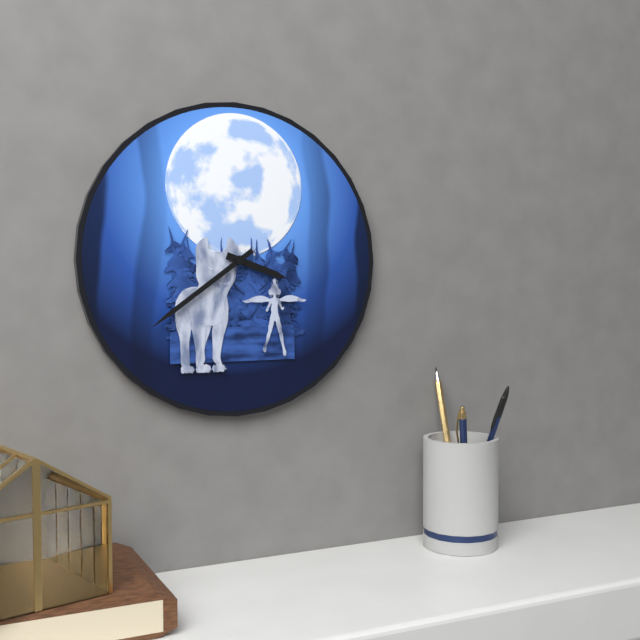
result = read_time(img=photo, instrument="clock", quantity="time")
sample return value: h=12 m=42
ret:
h=3 m=39
